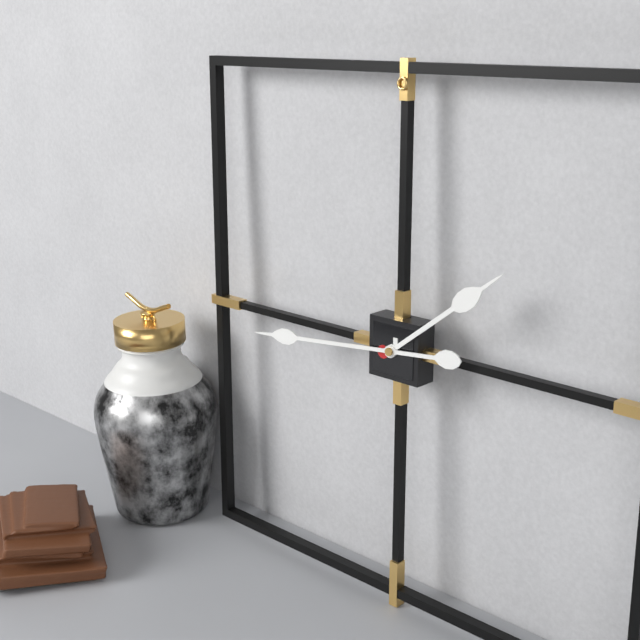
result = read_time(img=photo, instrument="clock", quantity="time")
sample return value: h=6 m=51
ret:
h=1 m=44
